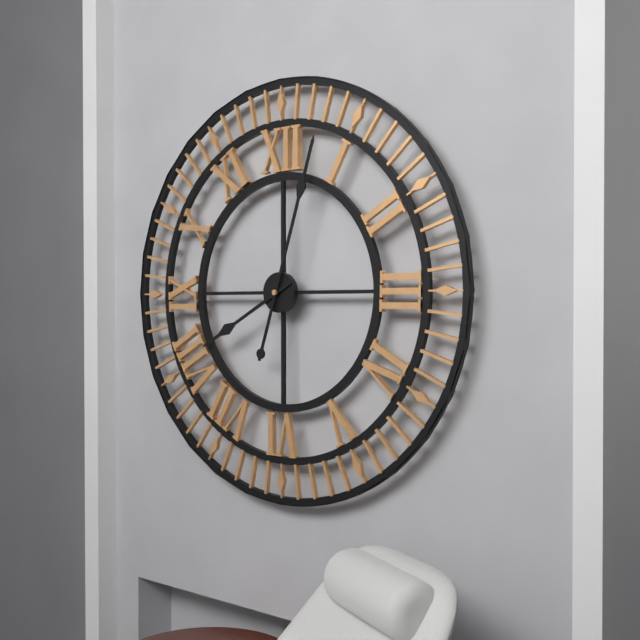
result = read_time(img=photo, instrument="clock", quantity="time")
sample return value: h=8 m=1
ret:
h=8 m=3
